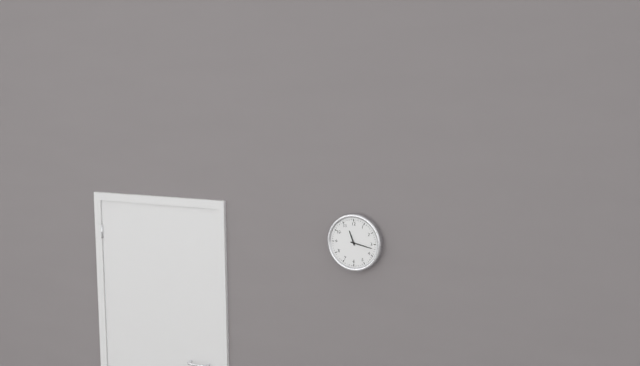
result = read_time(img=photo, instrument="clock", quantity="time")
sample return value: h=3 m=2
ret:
h=11 m=17
